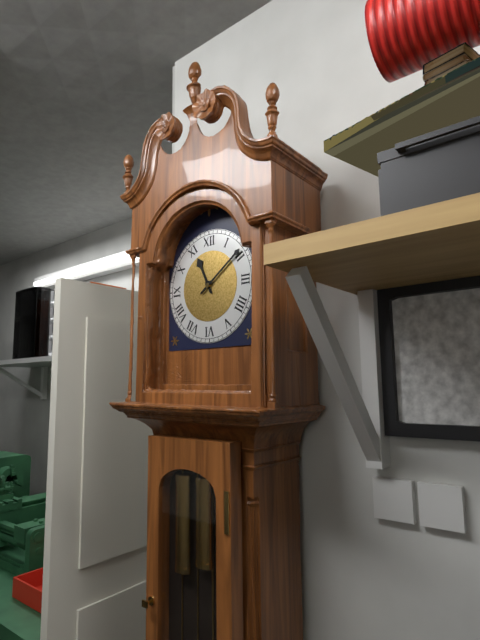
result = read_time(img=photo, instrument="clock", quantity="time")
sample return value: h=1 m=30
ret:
h=11 m=9
